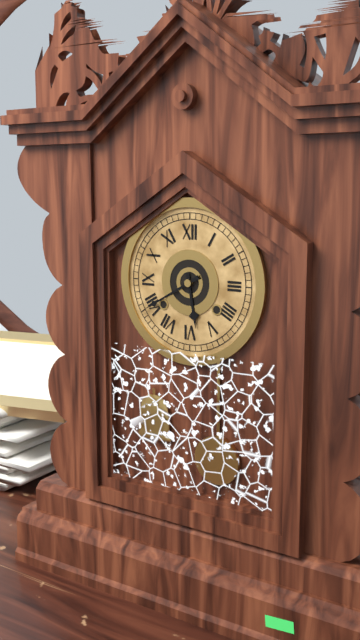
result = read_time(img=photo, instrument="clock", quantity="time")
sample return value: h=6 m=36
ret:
h=5 m=40
